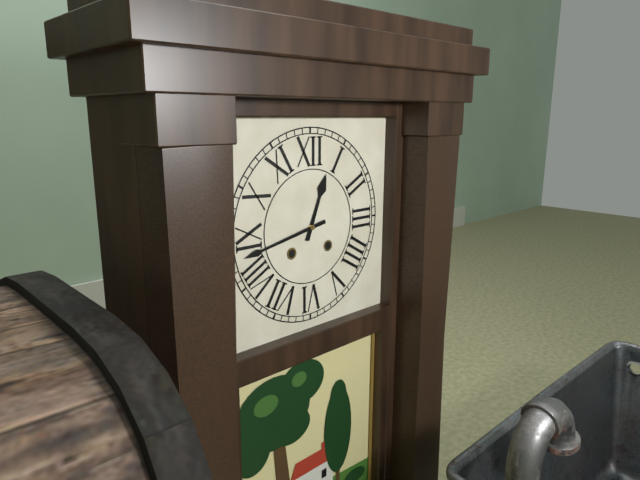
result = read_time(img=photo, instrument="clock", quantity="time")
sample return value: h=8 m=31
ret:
h=12 m=43
